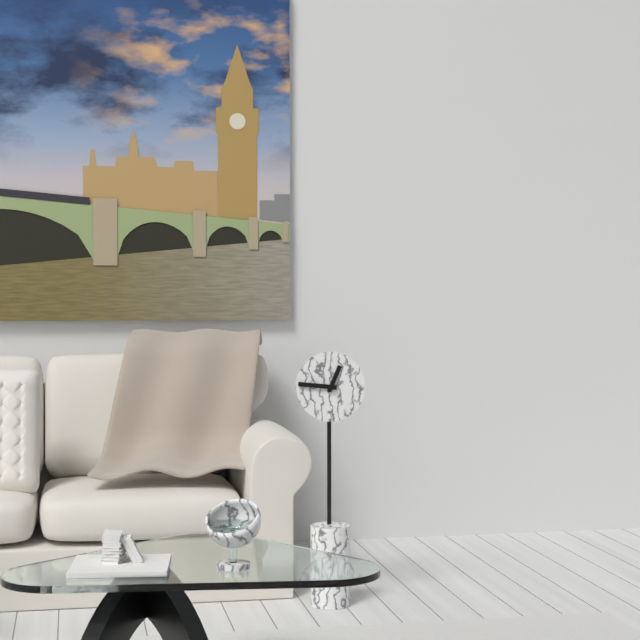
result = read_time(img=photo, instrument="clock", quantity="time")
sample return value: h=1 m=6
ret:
h=12 m=46
